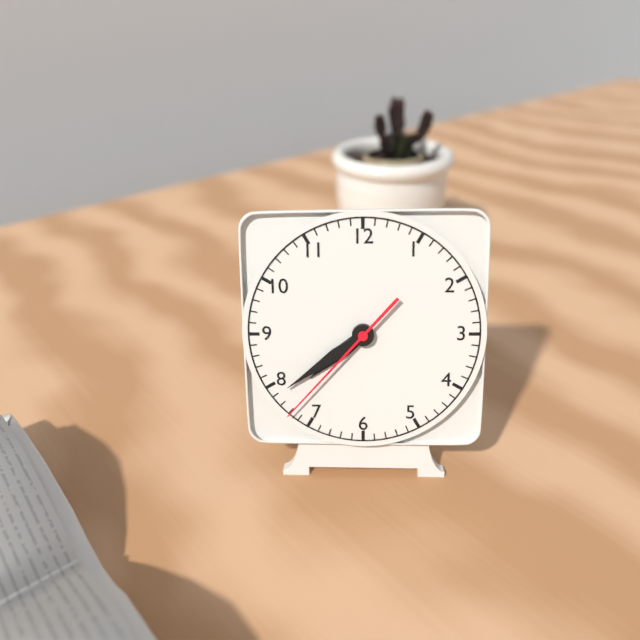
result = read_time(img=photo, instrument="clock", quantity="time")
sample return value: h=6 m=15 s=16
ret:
h=7 m=39 s=37
